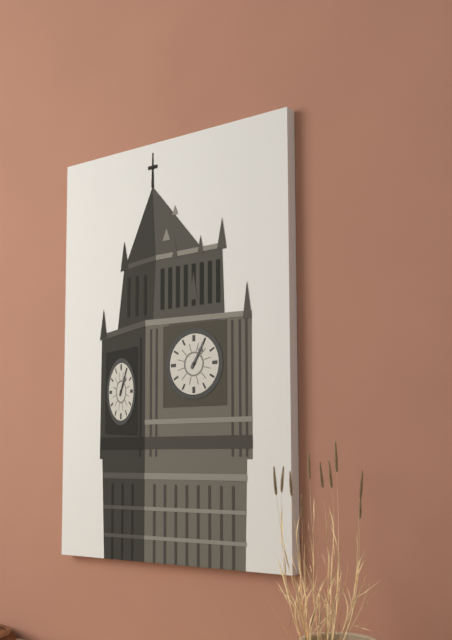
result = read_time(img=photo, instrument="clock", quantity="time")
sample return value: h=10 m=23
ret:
h=1 m=5
